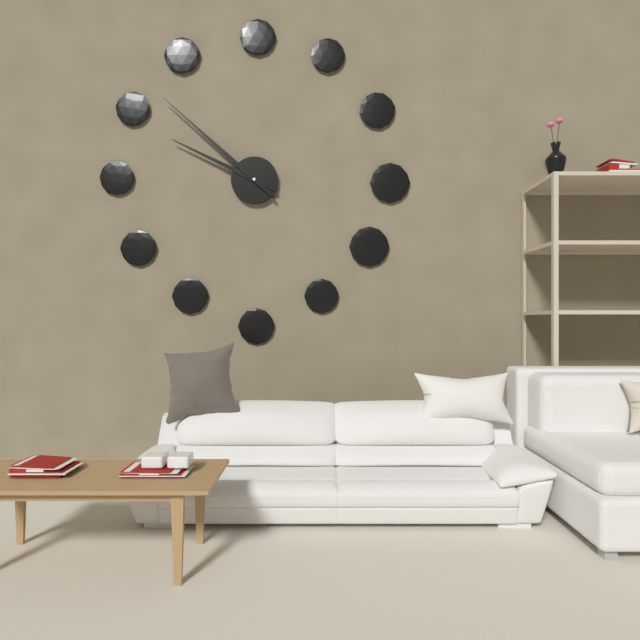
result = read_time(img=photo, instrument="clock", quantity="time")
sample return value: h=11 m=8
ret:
h=9 m=52
